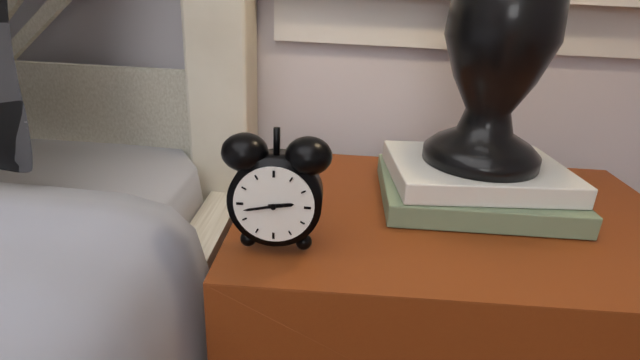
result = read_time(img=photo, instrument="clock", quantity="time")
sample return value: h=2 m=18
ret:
h=2 m=43
